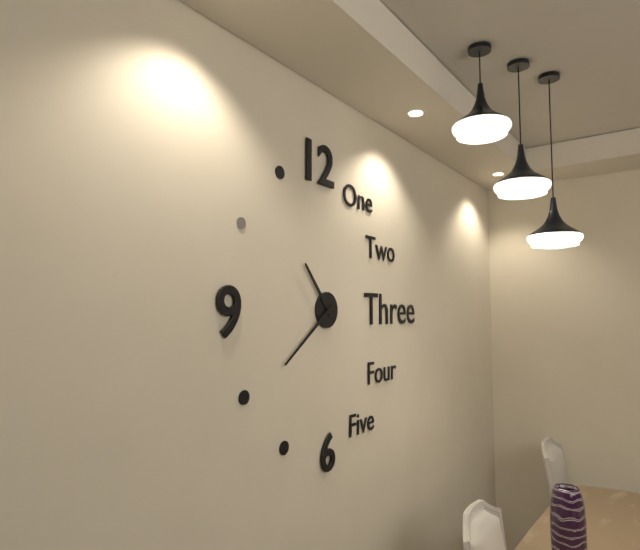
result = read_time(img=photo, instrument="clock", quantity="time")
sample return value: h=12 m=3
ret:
h=10 m=39
